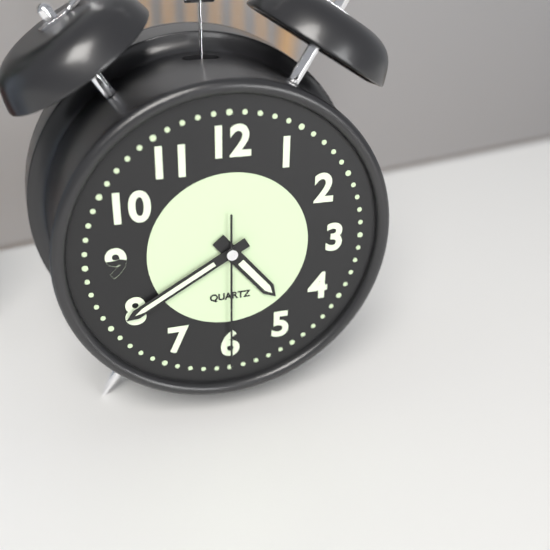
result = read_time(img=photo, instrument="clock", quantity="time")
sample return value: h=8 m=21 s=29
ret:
h=4 m=40 s=30
